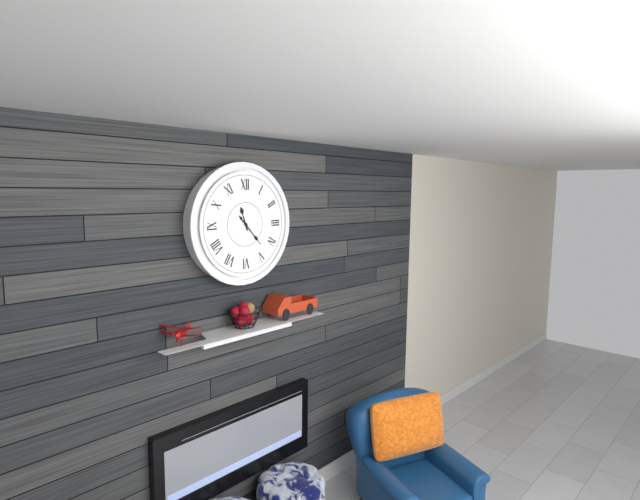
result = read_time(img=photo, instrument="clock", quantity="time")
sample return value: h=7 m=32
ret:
h=11 m=23
